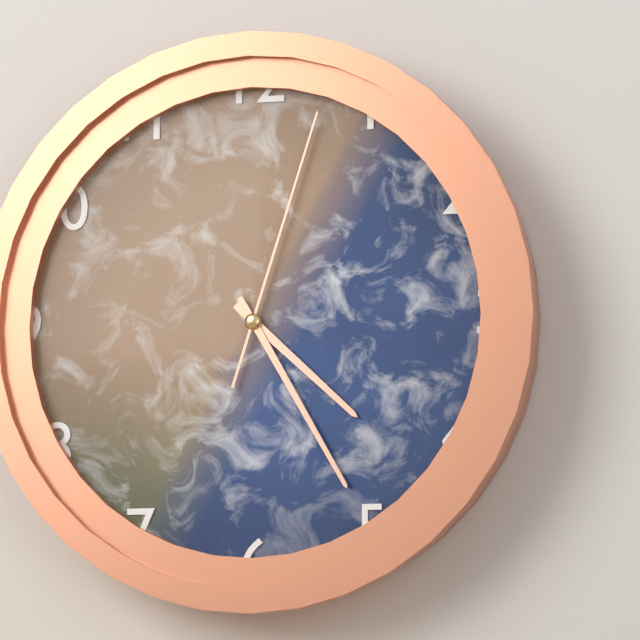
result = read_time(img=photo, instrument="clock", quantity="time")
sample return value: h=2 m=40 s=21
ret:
h=4 m=25 s=3
